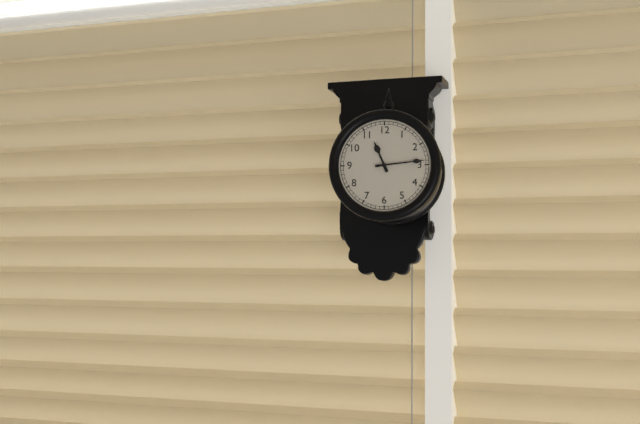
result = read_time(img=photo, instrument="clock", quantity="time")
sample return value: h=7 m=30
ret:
h=11 m=14
